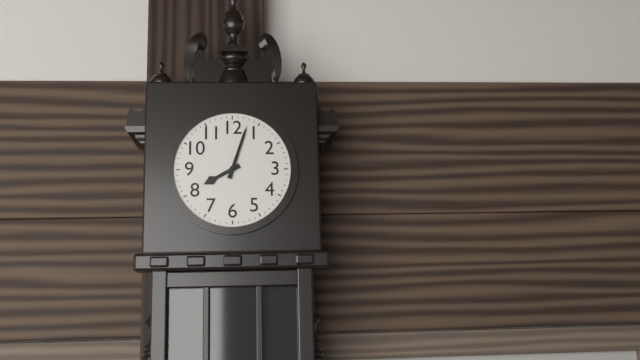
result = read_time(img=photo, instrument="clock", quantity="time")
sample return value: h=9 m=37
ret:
h=8 m=3
